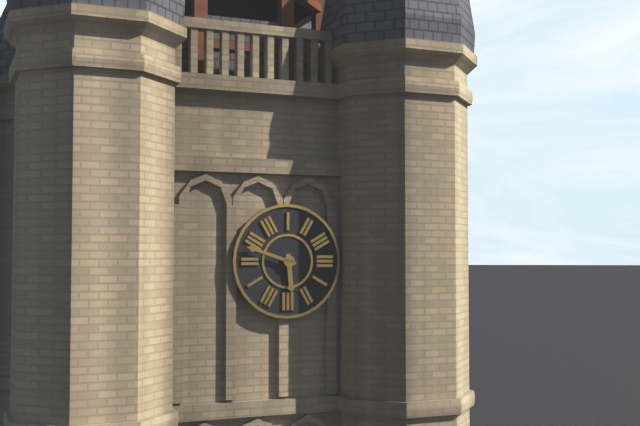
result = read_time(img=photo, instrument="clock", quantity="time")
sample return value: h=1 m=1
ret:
h=5 m=48
